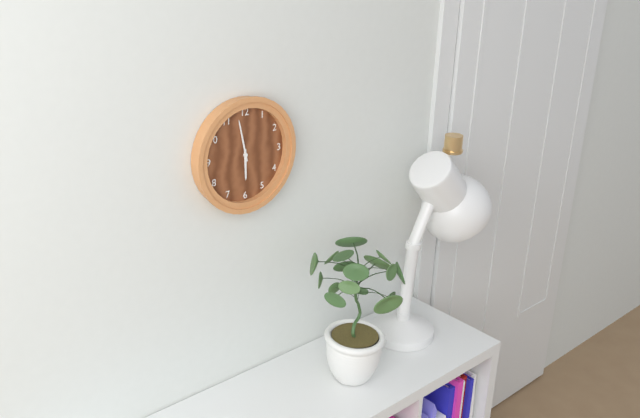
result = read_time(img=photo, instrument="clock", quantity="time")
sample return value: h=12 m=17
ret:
h=5 m=58
